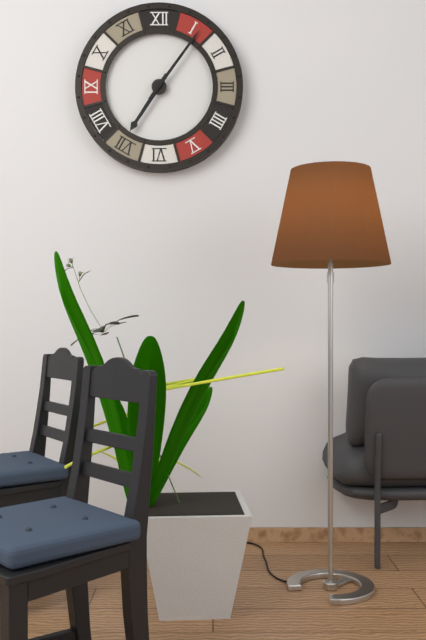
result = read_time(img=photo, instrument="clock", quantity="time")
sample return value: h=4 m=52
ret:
h=7 m=6
